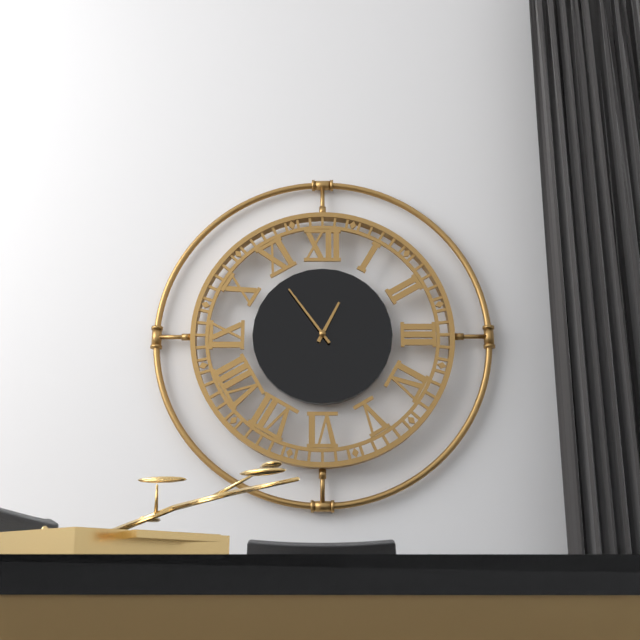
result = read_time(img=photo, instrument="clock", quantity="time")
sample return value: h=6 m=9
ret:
h=12 m=54
